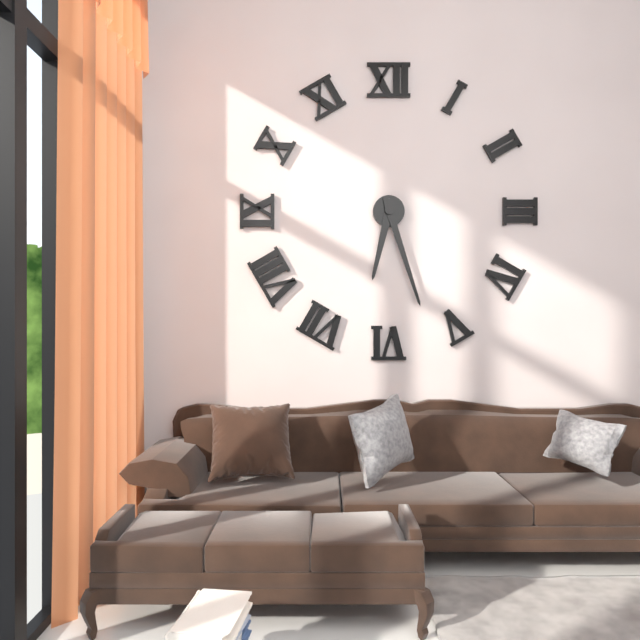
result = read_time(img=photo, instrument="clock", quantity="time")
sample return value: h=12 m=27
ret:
h=6 m=27
